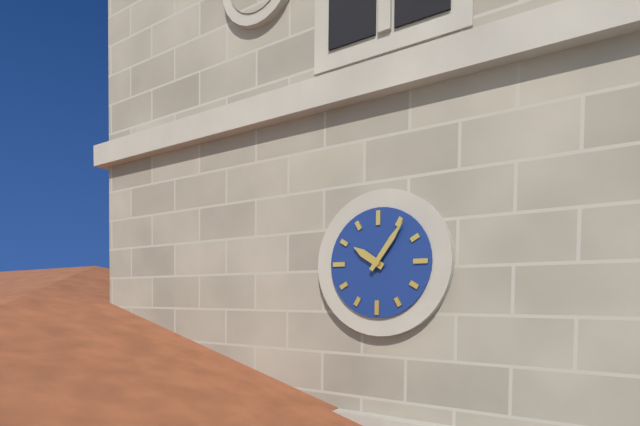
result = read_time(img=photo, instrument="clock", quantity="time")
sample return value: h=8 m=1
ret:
h=10 m=6
